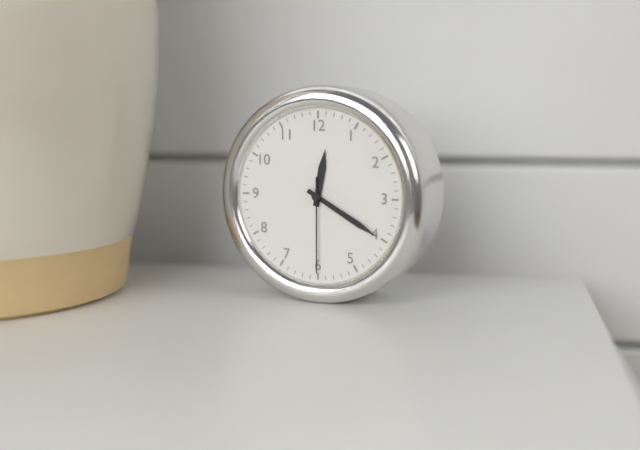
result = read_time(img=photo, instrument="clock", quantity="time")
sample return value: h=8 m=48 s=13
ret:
h=12 m=20 s=30
